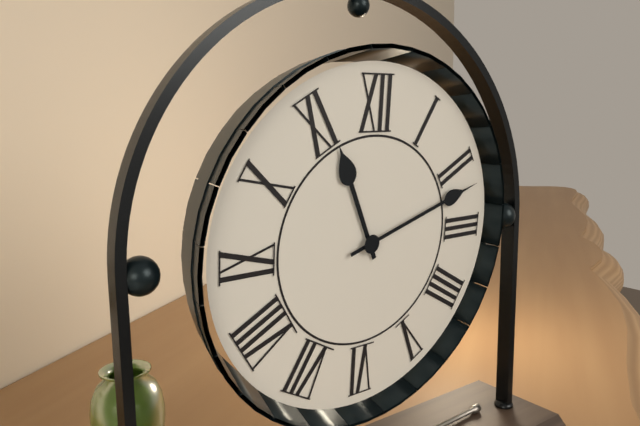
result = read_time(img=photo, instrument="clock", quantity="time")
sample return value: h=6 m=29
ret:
h=11 m=12
